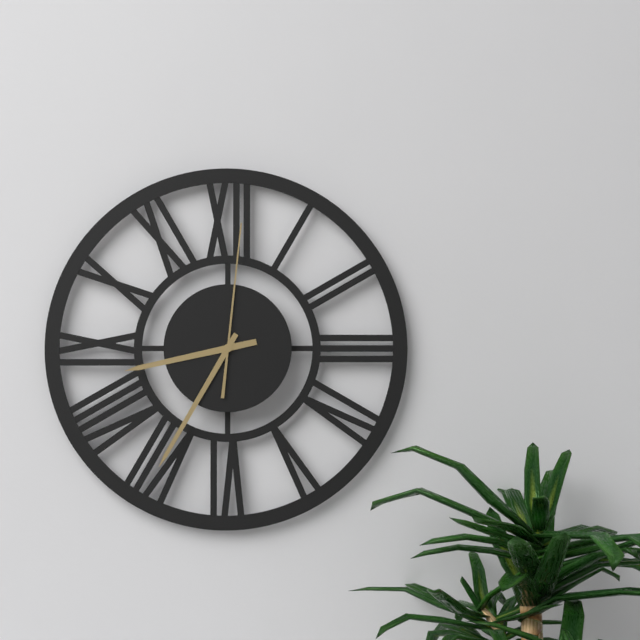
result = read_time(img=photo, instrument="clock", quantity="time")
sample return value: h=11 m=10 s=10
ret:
h=8 m=35 s=1
